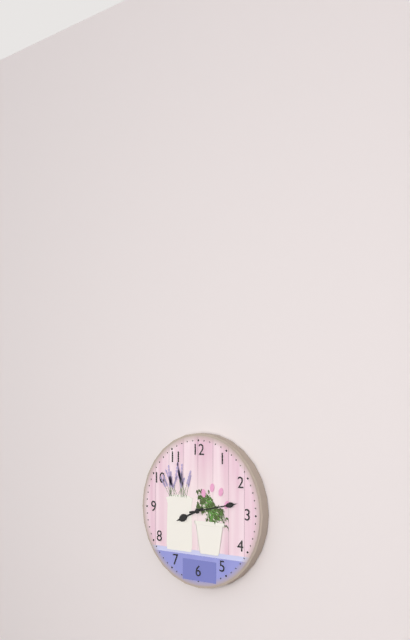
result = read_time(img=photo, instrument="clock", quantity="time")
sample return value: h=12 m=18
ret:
h=8 m=13
